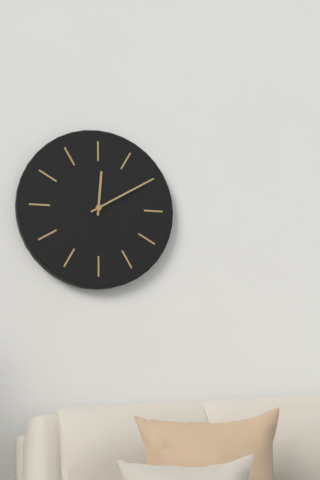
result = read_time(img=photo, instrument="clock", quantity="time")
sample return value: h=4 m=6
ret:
h=12 m=10
